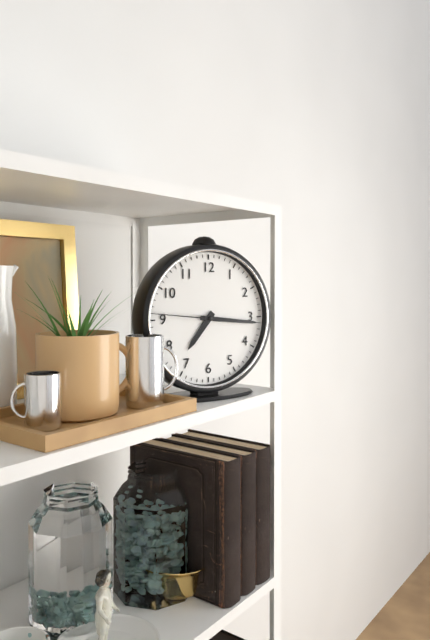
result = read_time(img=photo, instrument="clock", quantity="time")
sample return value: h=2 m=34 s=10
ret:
h=7 m=16 s=46
